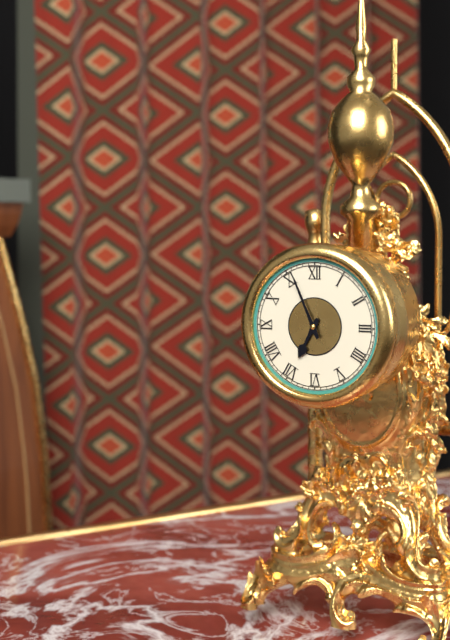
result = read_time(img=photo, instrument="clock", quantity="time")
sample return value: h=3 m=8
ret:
h=6 m=56
